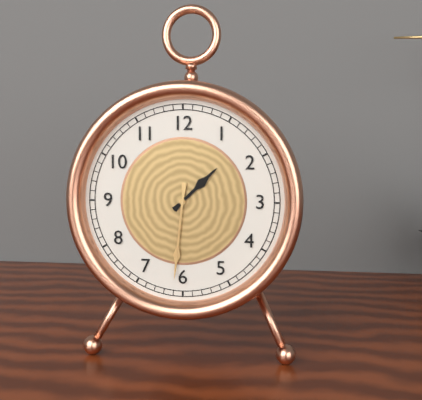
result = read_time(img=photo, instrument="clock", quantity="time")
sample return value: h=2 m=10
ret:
h=1 m=31
